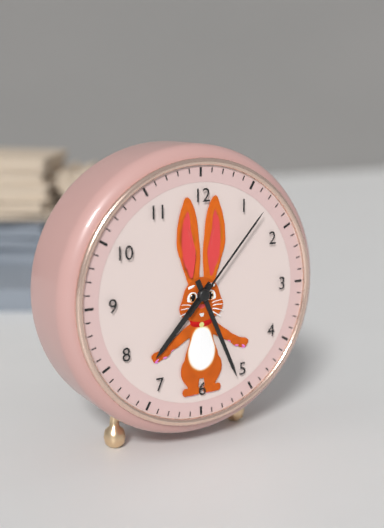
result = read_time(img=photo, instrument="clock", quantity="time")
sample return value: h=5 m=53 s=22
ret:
h=7 m=26 s=7
